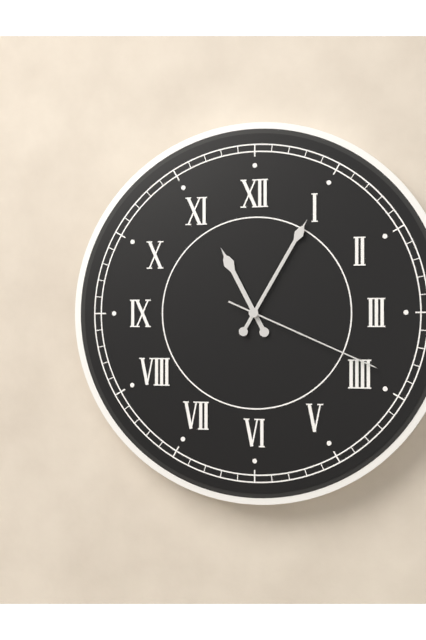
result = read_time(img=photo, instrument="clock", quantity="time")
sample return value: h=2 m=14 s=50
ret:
h=11 m=5 s=19
